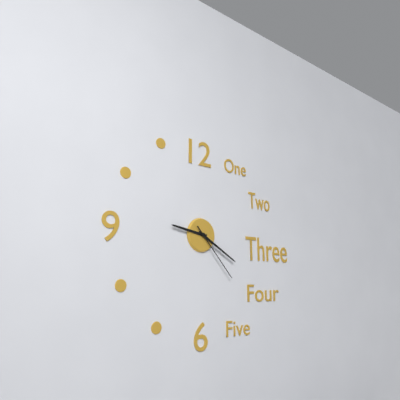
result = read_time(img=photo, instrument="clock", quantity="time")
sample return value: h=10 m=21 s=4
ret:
h=9 m=20 s=23
